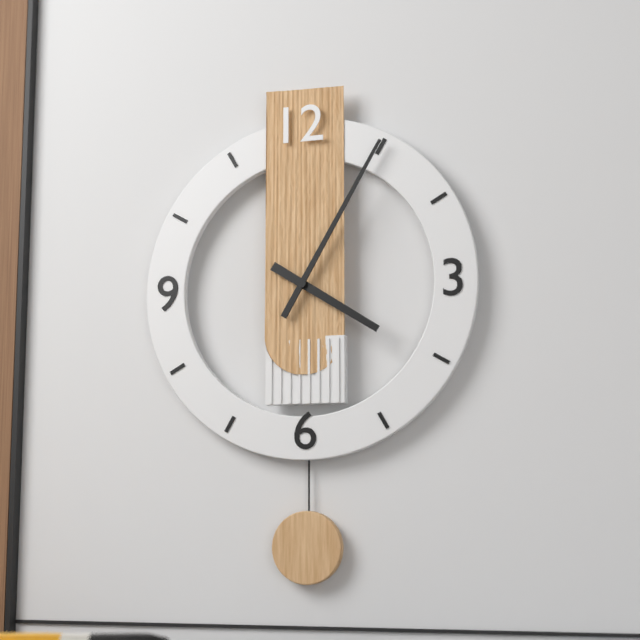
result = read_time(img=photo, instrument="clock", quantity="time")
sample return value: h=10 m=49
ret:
h=4 m=5
